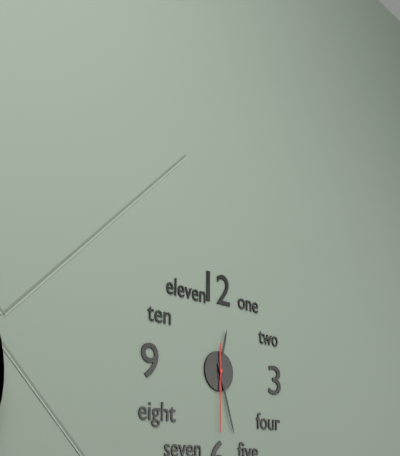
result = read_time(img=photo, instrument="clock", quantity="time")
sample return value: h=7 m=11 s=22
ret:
h=12 m=27 s=30
